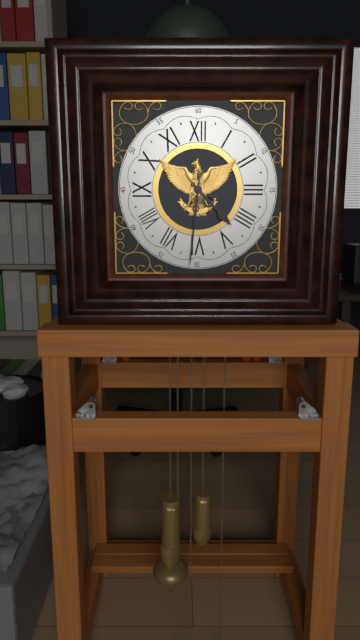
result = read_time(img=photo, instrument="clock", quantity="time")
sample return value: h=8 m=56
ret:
h=4 m=31
